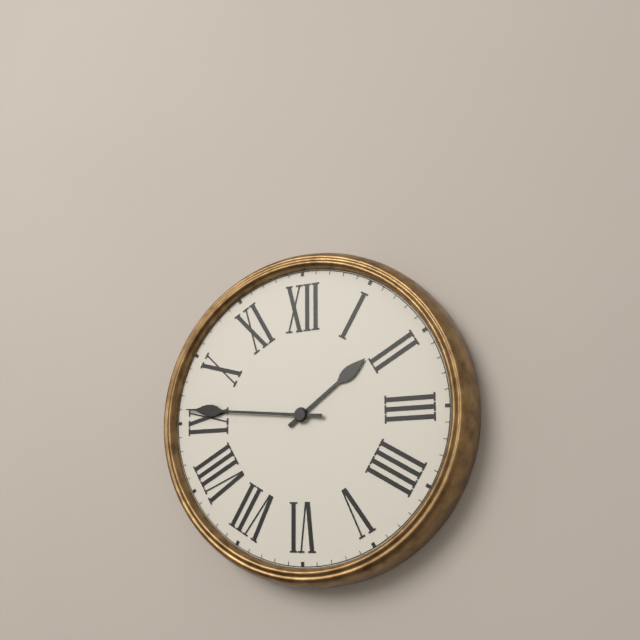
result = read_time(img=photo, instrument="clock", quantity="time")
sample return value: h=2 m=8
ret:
h=1 m=46
